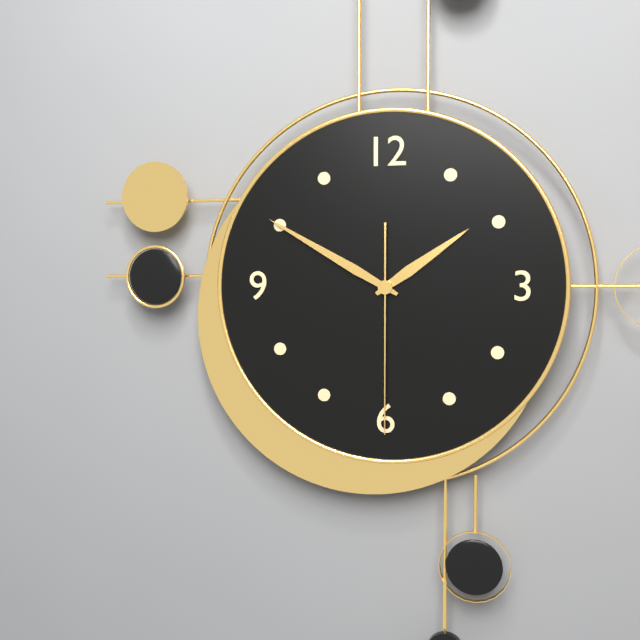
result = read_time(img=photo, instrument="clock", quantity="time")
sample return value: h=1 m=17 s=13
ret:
h=1 m=50 s=30
